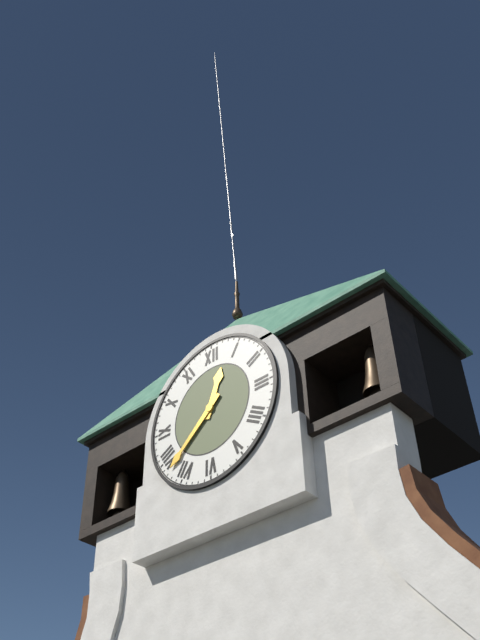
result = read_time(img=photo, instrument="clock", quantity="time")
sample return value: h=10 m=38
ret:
h=12 m=38
